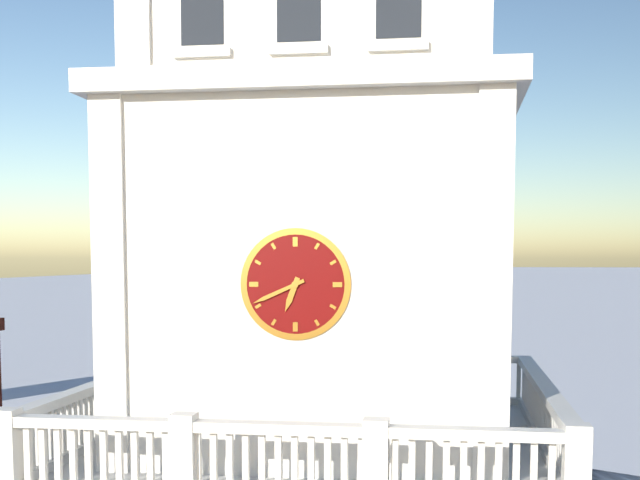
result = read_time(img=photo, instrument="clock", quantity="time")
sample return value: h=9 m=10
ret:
h=6 m=41
